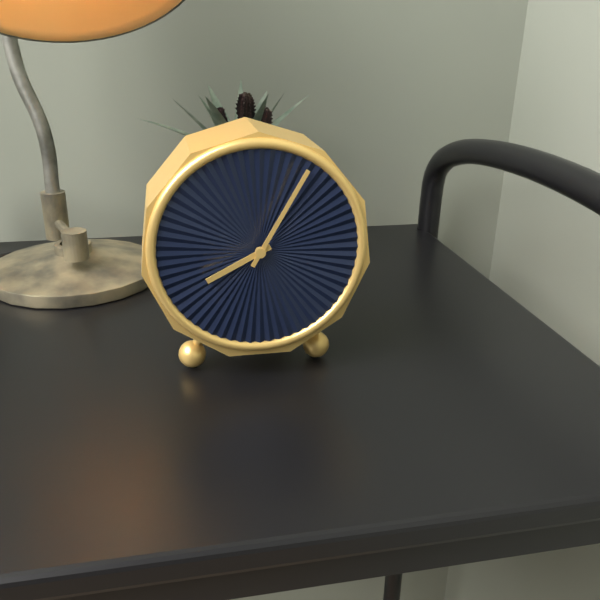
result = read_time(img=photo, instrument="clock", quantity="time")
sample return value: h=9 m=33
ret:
h=8 m=5
